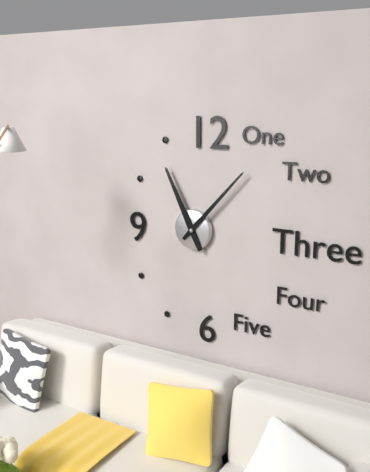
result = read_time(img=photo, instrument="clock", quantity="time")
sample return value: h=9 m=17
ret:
h=11 m=7
